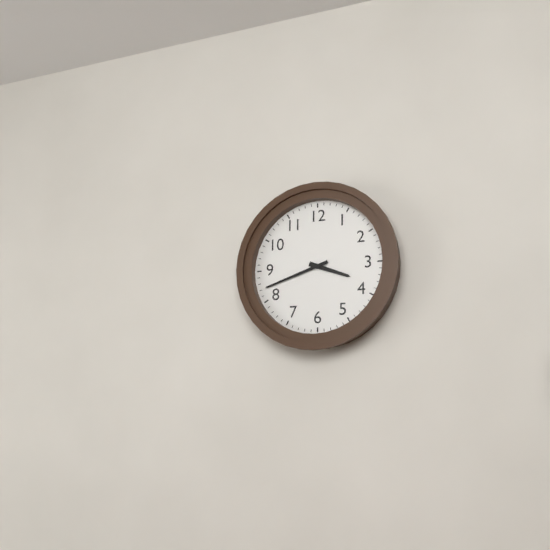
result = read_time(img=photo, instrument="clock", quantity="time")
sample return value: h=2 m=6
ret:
h=3 m=42
